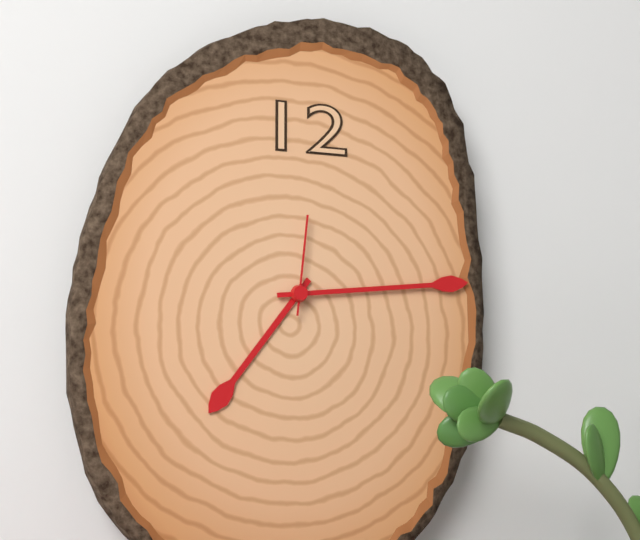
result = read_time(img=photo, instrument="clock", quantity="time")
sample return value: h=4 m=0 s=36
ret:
h=7 m=14 s=1
